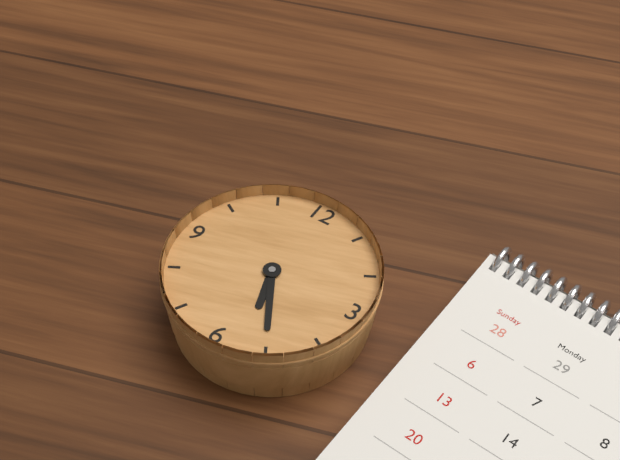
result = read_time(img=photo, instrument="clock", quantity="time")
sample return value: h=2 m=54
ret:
h=5 m=25
